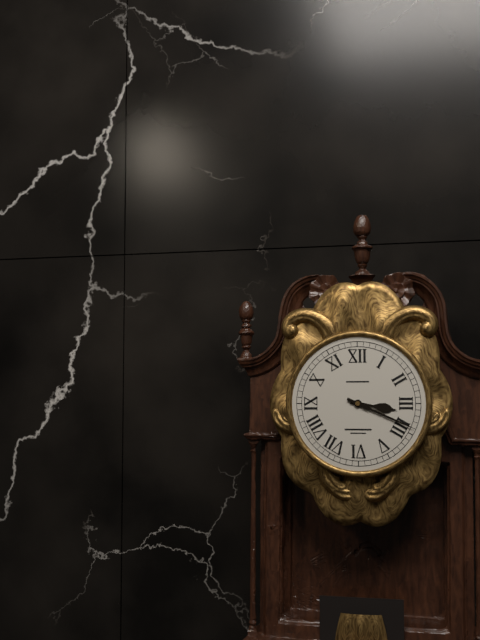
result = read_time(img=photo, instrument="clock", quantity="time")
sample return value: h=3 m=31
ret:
h=3 m=19
